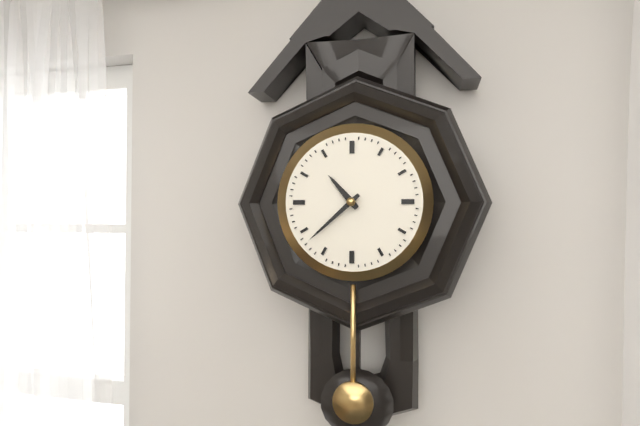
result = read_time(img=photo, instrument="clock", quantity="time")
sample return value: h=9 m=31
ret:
h=10 m=38
